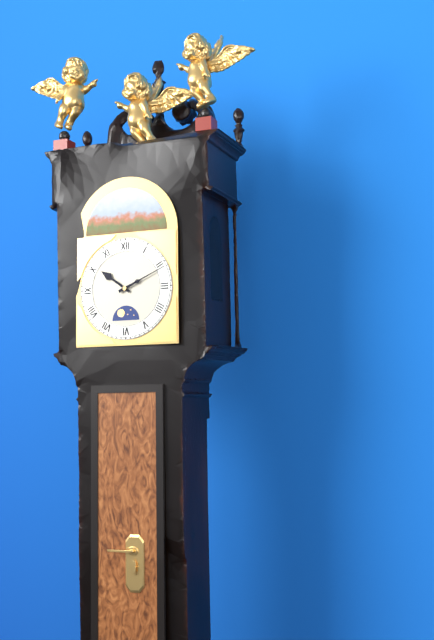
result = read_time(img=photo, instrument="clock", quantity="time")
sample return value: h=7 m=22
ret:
h=10 m=11
